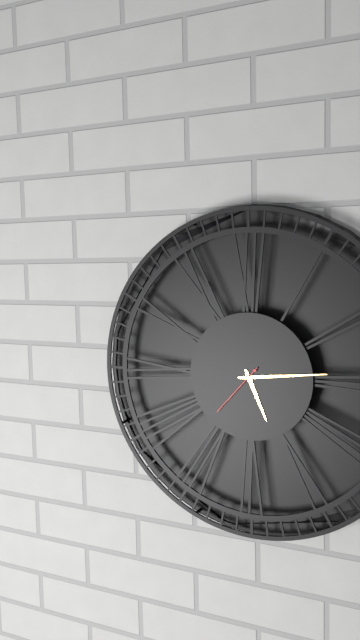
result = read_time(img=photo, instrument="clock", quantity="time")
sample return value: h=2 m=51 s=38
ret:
h=5 m=14 s=37
